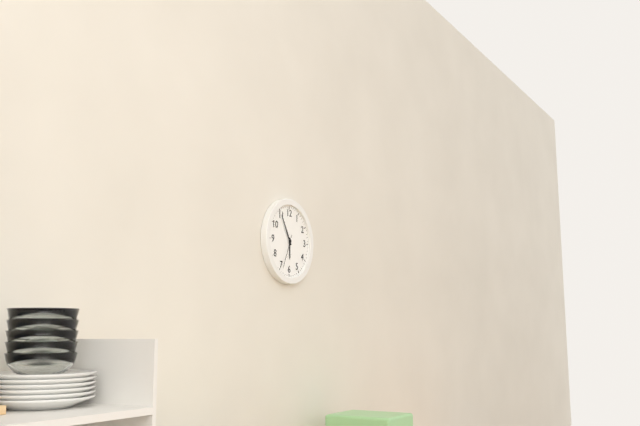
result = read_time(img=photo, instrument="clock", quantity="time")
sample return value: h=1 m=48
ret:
h=5 m=55
